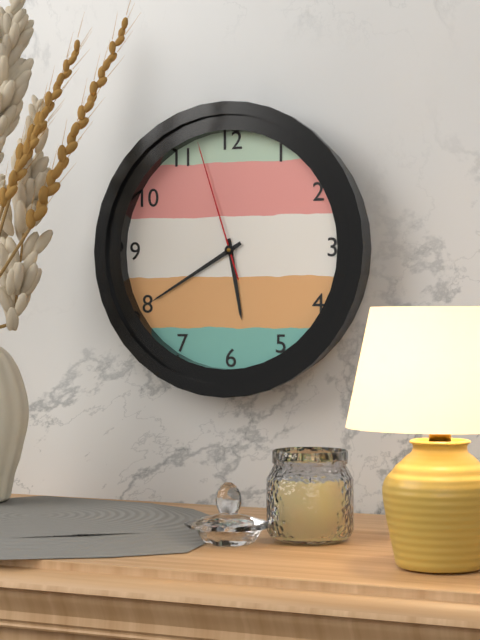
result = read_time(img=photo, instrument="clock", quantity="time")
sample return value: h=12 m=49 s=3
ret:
h=5 m=40 s=57
